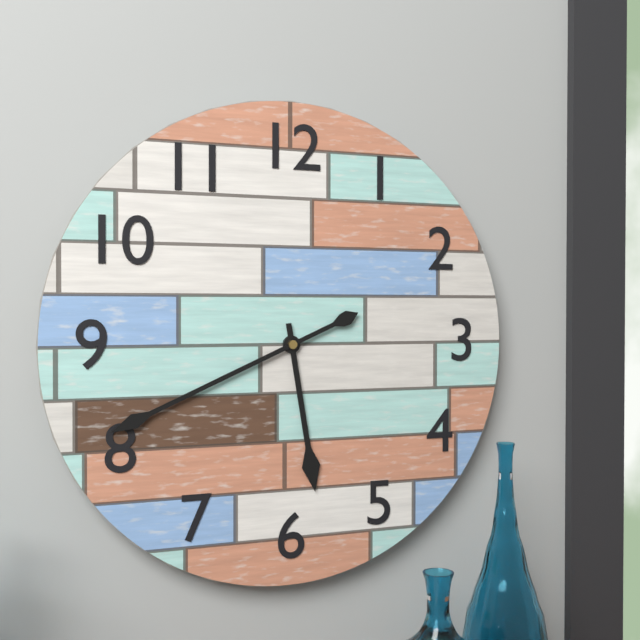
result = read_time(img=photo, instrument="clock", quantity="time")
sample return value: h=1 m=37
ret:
h=5 m=41
